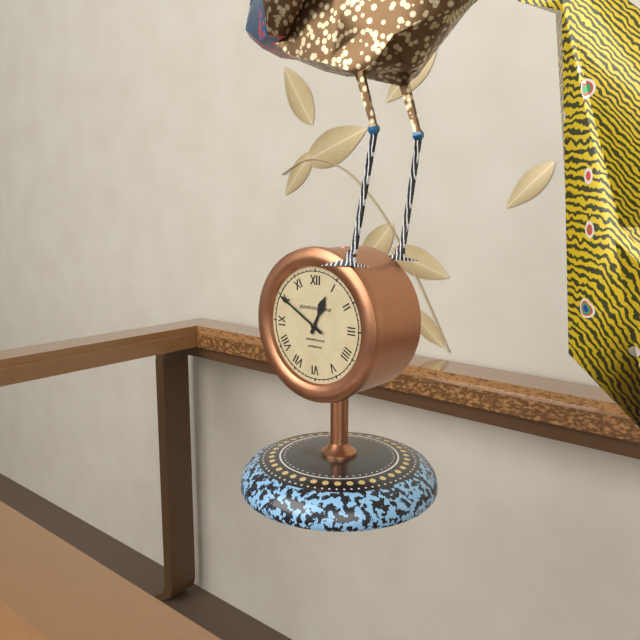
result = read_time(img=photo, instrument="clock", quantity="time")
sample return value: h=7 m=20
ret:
h=12 m=50
